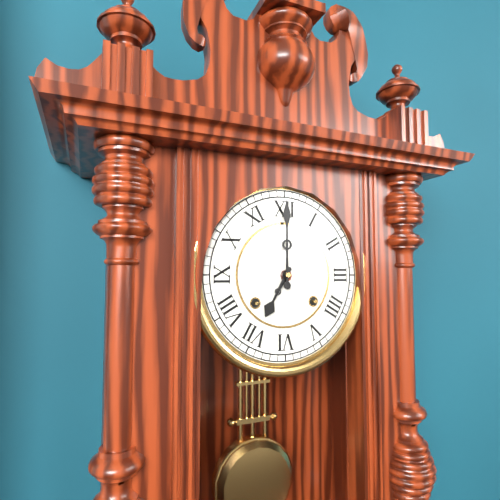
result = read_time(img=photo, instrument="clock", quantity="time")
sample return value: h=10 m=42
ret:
h=7 m=0
